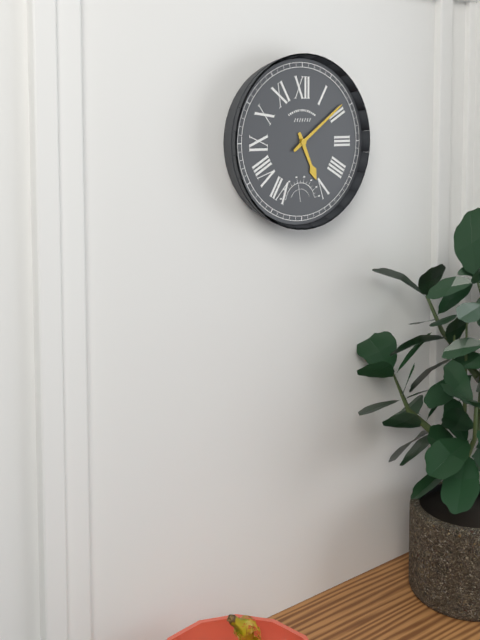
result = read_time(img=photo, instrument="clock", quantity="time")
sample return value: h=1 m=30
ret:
h=5 m=9
